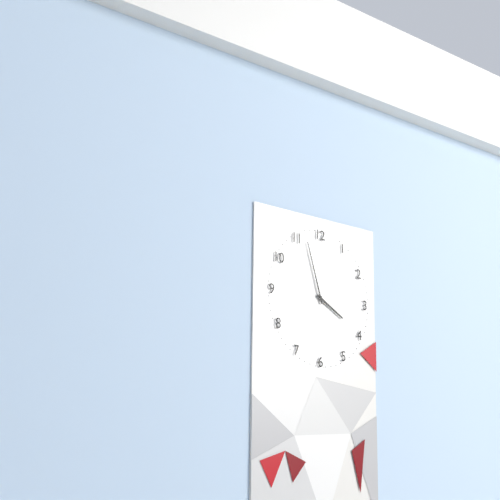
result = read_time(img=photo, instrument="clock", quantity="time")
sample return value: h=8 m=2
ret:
h=3 m=57
